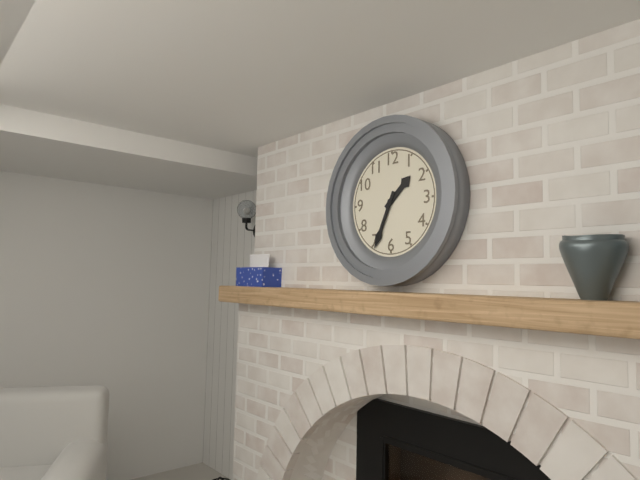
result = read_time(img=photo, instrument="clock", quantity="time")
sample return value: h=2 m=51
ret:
h=1 m=34
